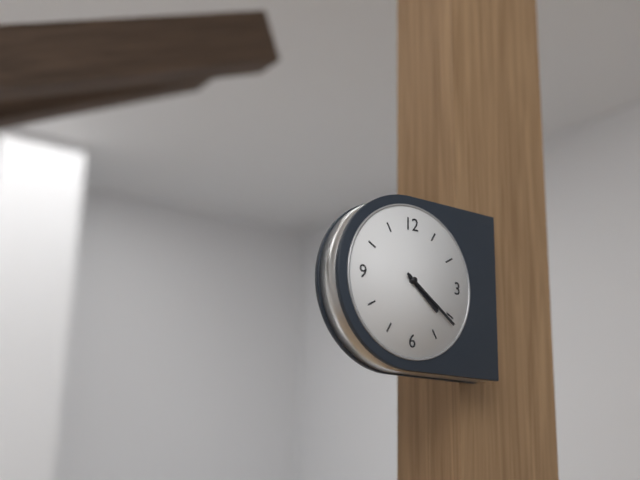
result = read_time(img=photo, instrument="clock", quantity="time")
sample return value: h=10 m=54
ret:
h=4 m=21
